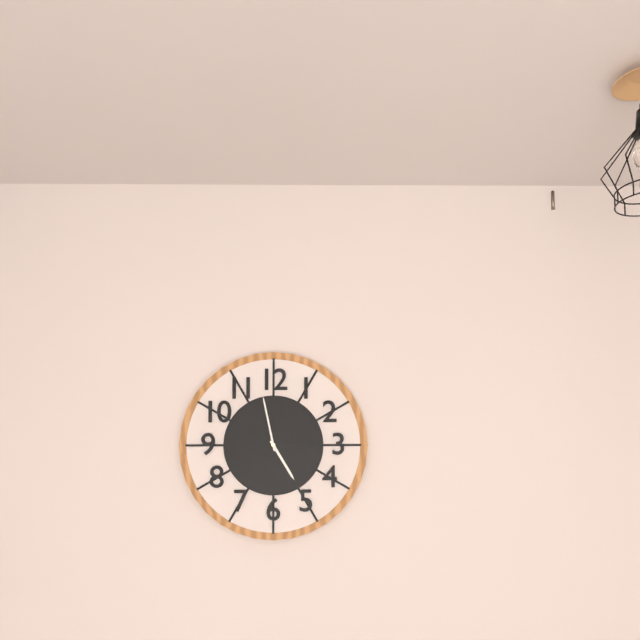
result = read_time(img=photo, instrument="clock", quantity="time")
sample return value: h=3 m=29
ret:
h=4 m=58
